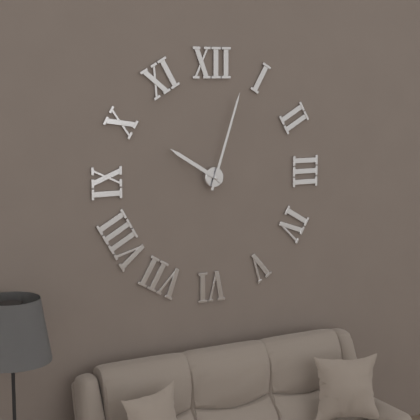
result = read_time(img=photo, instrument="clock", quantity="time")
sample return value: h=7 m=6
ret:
h=10 m=3
